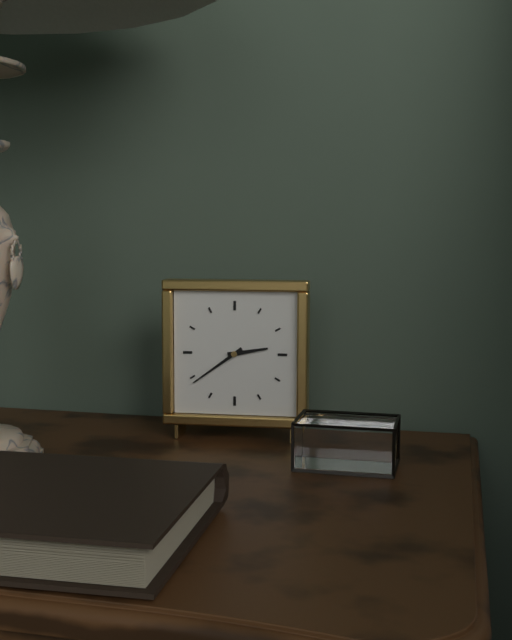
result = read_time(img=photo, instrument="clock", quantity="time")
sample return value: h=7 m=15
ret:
h=2 m=39
